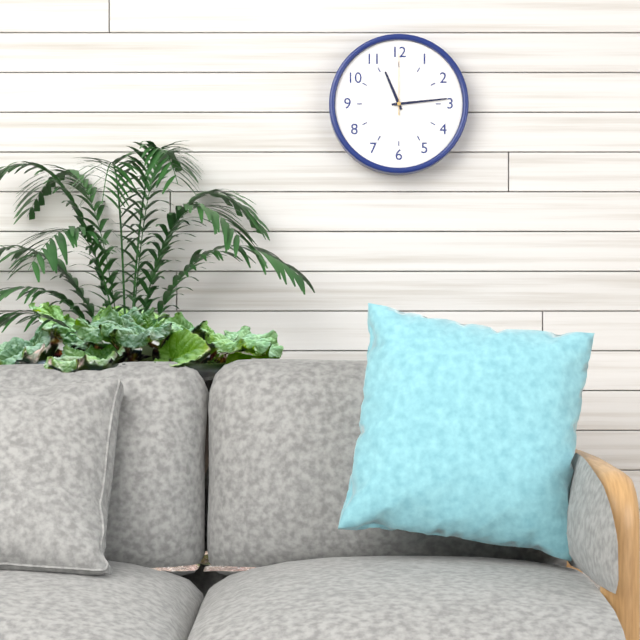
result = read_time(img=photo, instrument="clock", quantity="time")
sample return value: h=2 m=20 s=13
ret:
h=11 m=14 s=0
